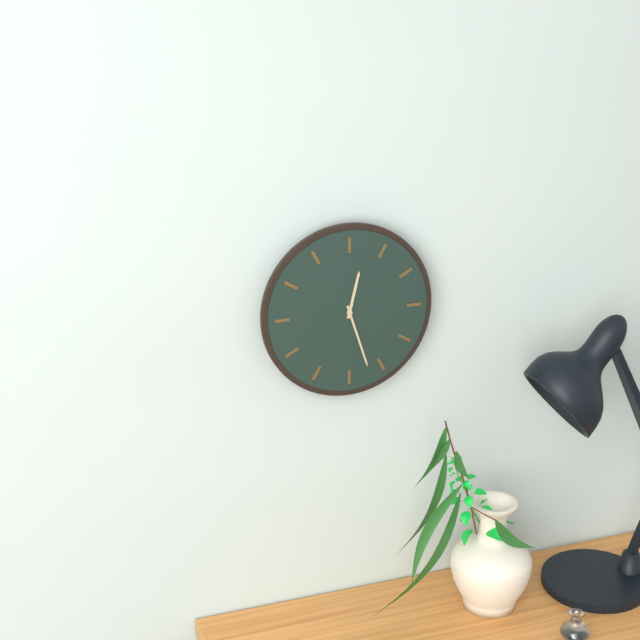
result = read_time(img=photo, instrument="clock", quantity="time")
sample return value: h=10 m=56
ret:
h=12 m=27
